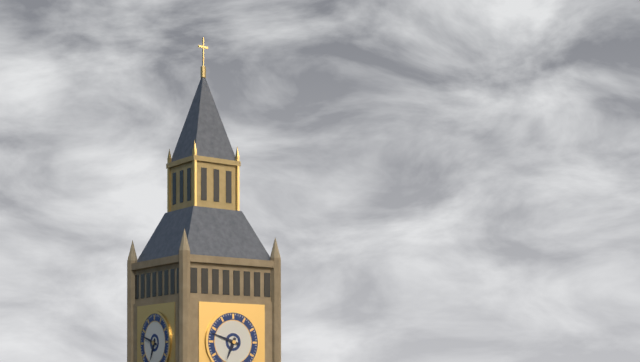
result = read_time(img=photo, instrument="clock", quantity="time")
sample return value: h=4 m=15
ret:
h=6 m=48
